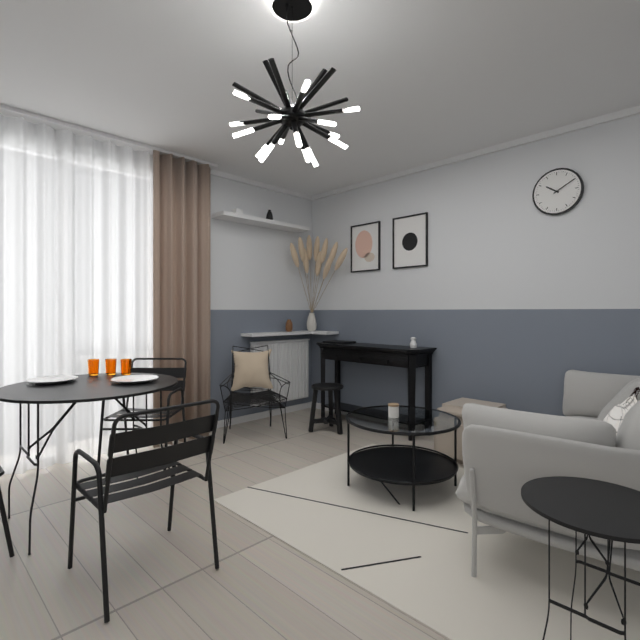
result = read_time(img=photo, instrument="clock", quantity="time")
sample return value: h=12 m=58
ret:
h=10 m=10
